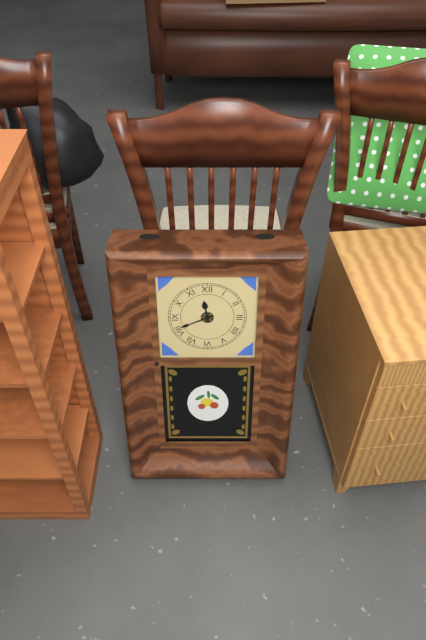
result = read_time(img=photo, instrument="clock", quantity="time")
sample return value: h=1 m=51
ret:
h=11 m=41
